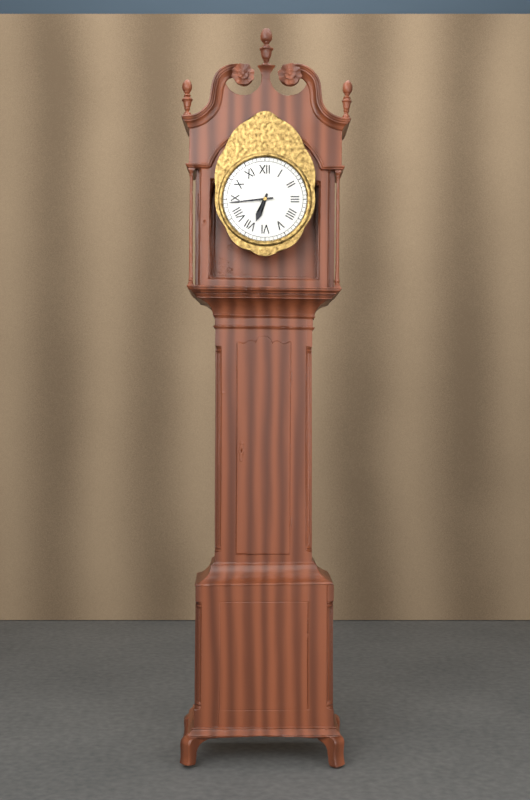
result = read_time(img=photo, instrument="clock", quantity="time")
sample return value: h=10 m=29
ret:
h=6 m=44
